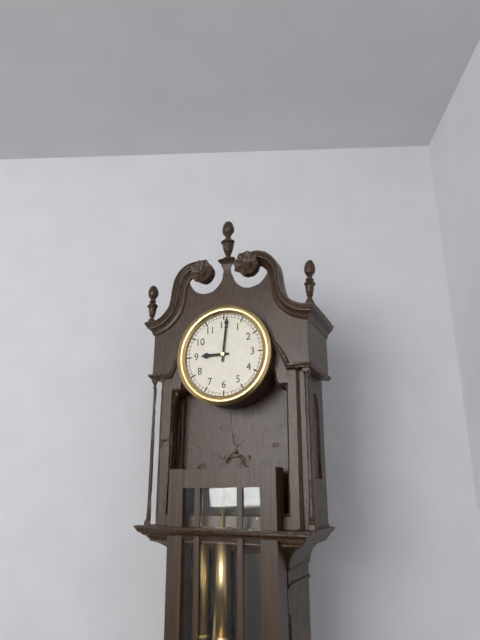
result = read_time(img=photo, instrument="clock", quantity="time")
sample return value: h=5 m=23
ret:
h=9 m=1
